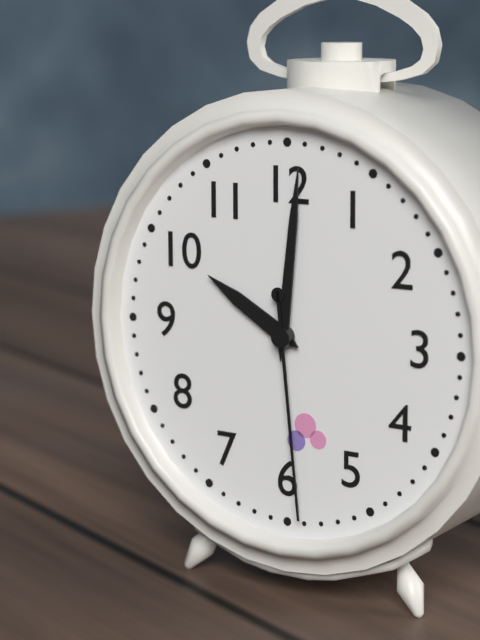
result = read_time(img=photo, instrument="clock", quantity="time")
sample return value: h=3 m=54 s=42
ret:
h=10 m=1 s=29
